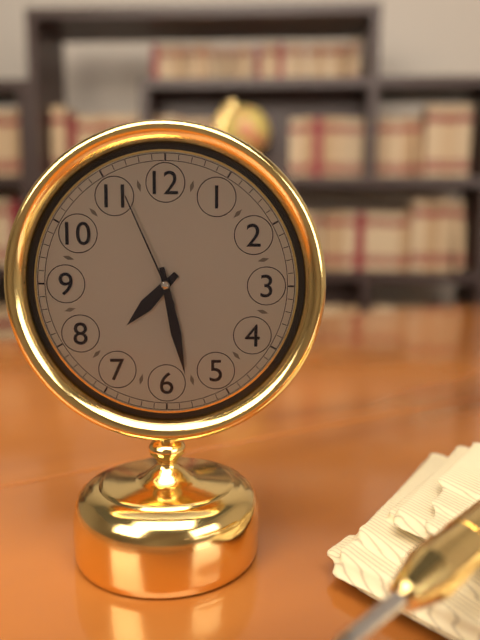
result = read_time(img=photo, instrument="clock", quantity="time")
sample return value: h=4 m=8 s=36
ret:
h=7 m=28 s=56
